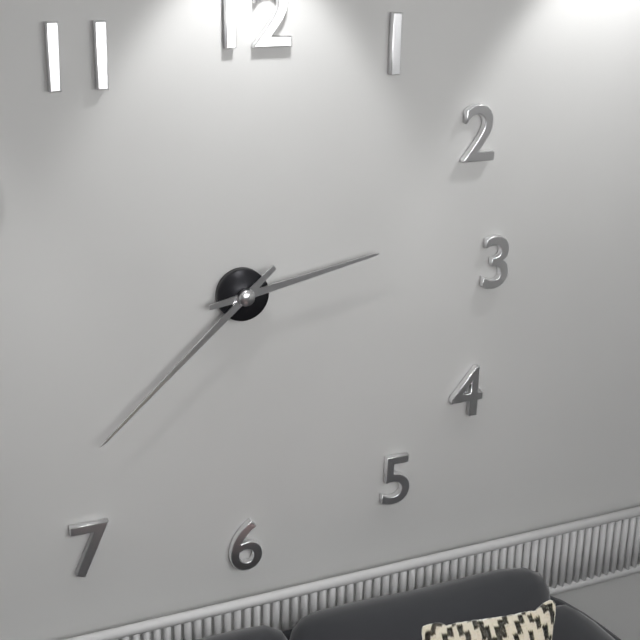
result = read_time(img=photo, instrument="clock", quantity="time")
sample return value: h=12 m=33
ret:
h=2 m=38
